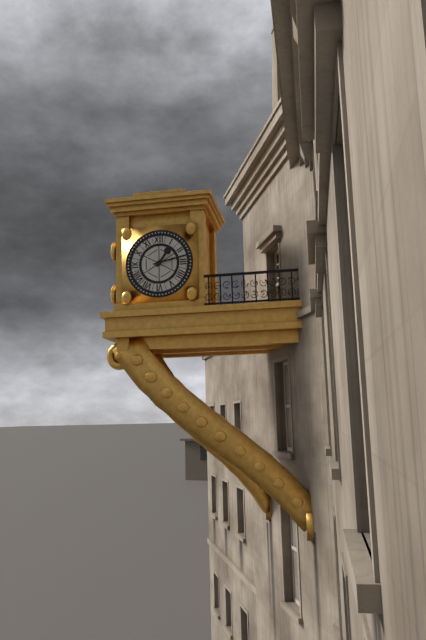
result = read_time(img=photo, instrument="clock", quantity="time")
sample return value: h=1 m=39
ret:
h=1 m=13
